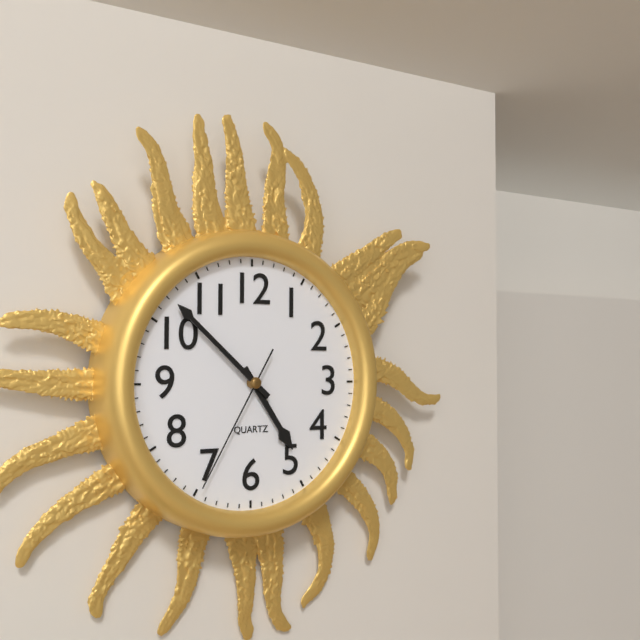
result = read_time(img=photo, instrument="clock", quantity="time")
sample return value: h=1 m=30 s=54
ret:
h=4 m=52 s=35
